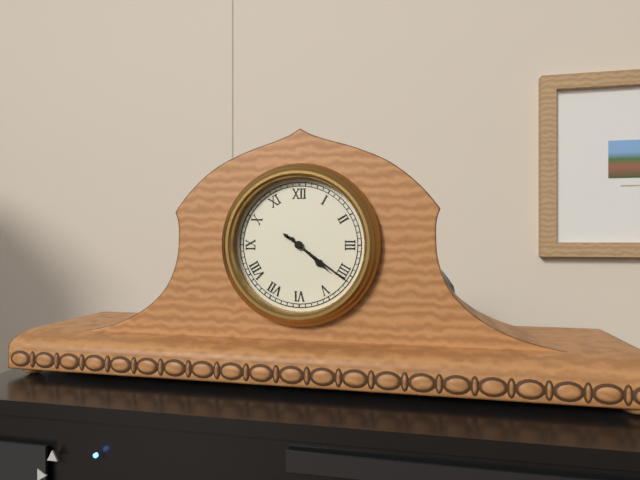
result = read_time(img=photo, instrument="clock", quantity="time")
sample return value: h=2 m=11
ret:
h=4 m=21
